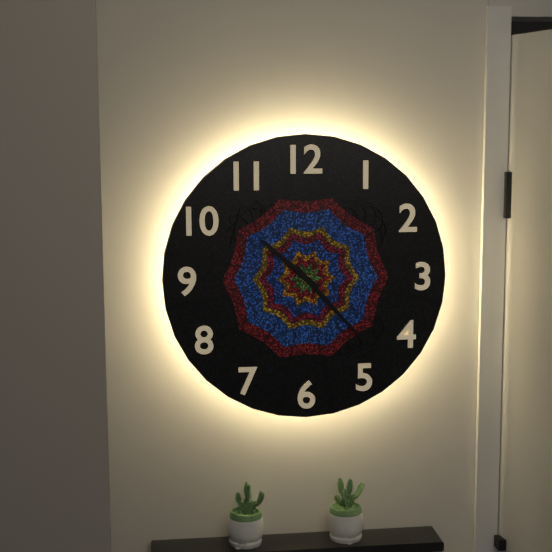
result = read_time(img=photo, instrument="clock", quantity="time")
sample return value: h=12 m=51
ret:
h=10 m=23
